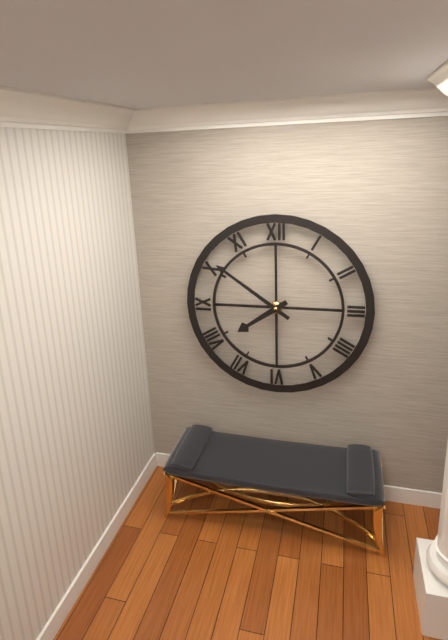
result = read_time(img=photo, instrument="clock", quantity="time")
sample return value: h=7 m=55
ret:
h=7 m=51
